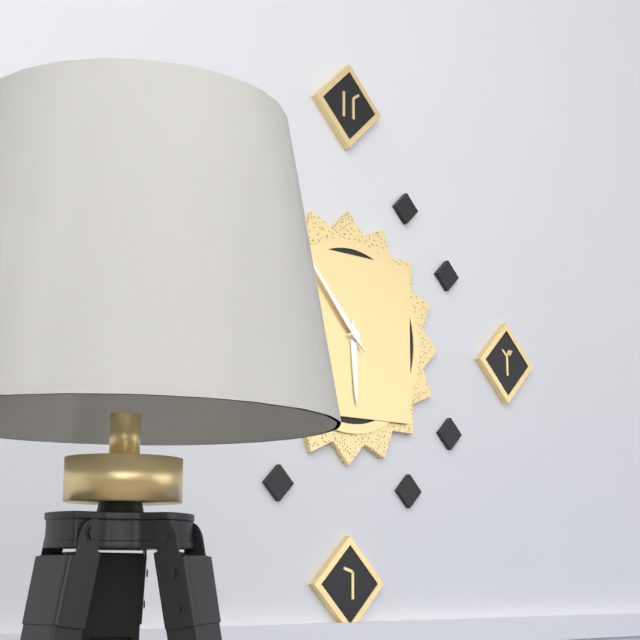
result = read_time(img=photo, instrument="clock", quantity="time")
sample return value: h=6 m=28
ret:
h=5 m=53
